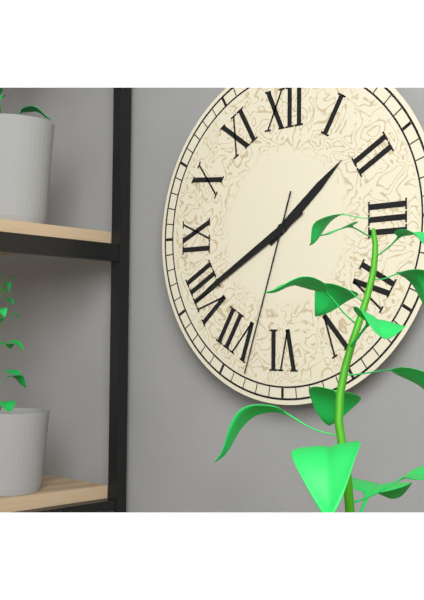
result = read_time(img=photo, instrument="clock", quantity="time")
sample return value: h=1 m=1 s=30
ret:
h=1 m=40 s=33
